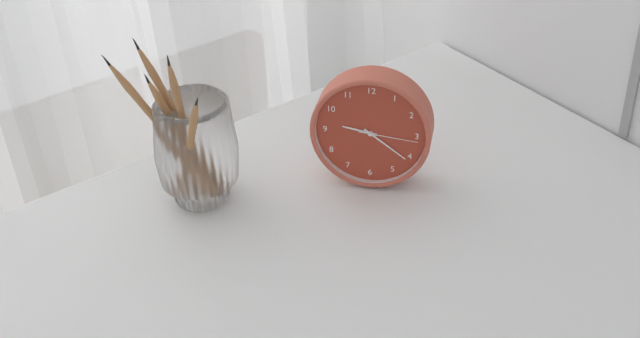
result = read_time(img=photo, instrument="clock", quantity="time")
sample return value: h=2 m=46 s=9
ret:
h=9 m=21 s=16
